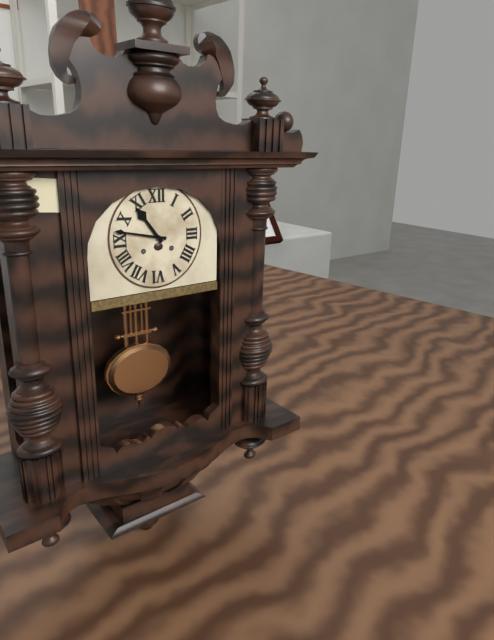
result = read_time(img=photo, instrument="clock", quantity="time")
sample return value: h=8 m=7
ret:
h=10 m=47
